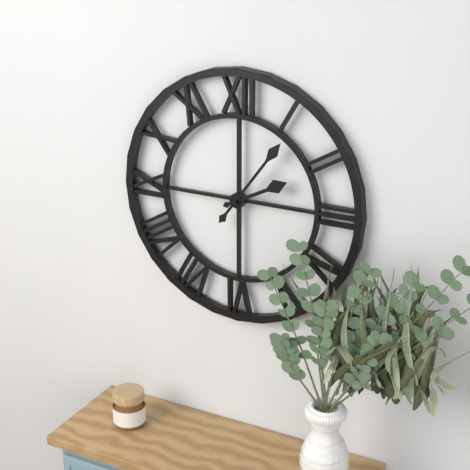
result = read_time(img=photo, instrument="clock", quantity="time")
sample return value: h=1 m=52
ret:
h=2 m=6
